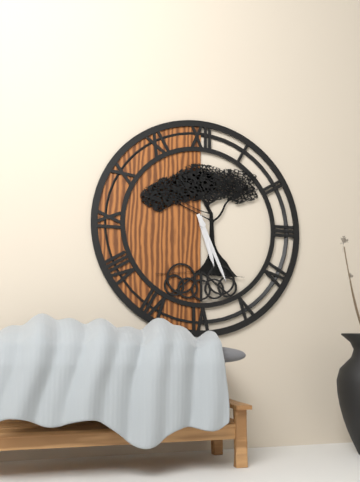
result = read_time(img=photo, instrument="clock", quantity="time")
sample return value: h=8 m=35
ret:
h=5 m=26
